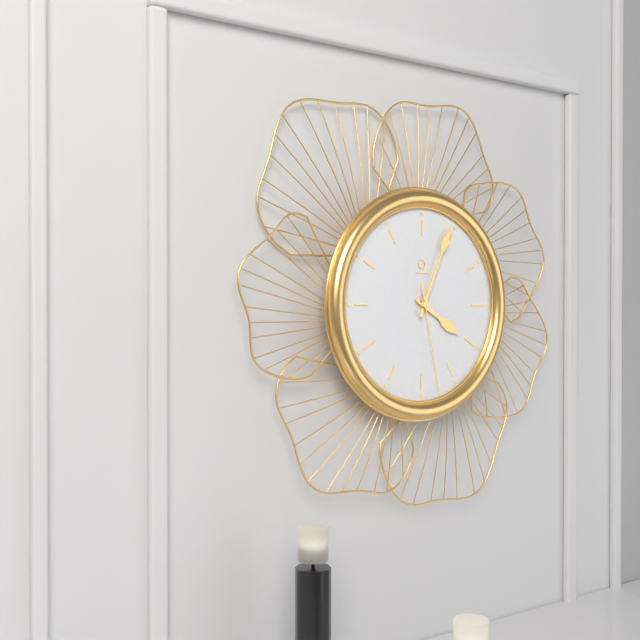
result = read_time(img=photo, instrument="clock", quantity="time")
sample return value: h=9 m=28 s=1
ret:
h=4 m=4 s=28
